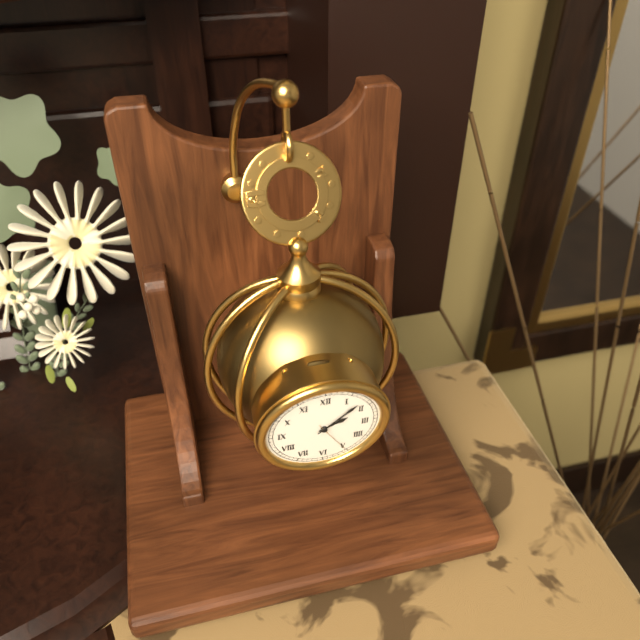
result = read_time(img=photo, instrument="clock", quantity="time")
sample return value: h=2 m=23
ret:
h=2 m=8
